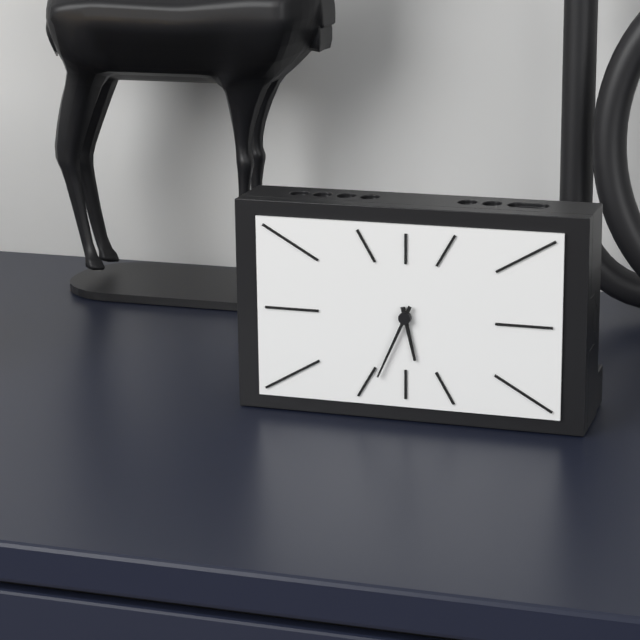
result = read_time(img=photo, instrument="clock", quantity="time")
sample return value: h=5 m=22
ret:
h=5 m=34
